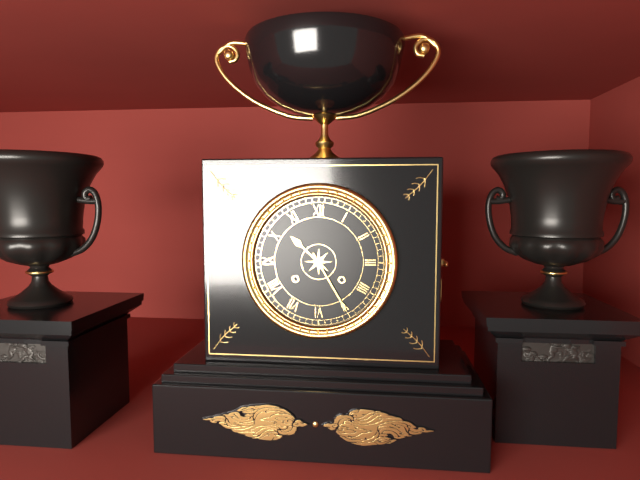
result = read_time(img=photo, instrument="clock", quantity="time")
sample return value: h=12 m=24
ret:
h=10 m=25
